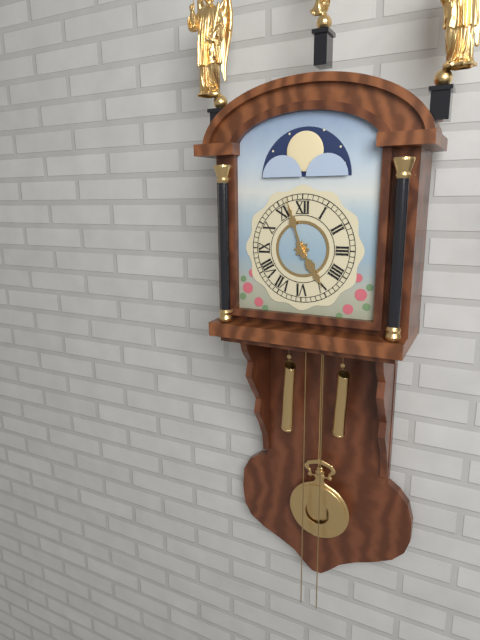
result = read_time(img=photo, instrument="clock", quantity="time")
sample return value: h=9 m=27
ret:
h=4 m=57
